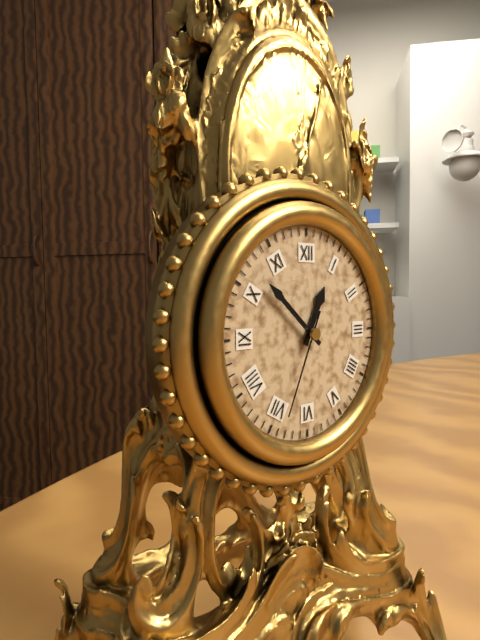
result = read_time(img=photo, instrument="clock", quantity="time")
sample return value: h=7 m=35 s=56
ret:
h=12 m=52 s=34
